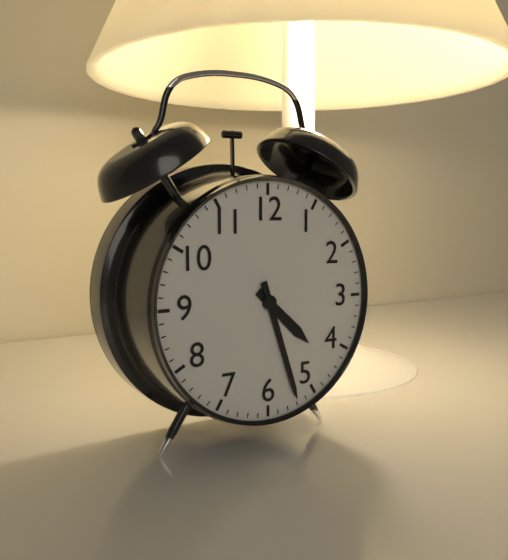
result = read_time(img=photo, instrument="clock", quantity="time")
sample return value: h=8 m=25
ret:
h=4 m=27
